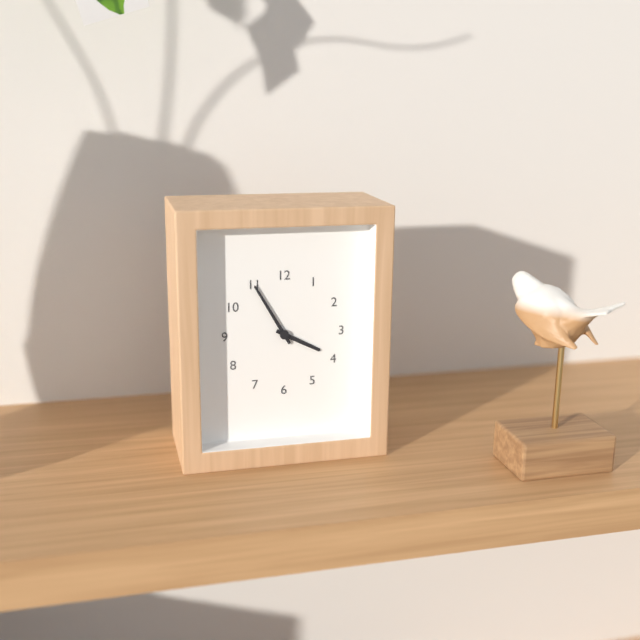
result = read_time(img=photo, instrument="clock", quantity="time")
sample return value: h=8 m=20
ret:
h=3 m=55
